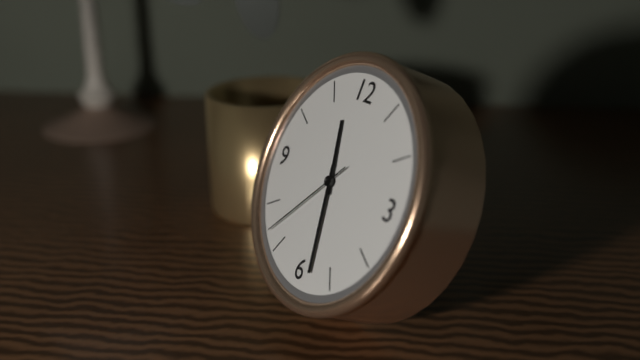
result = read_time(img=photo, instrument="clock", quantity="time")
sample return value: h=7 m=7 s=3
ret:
h=11 m=28 s=37
